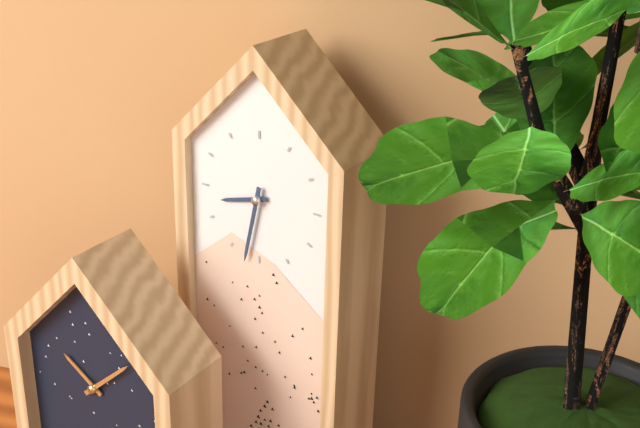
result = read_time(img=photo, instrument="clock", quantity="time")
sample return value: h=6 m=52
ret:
h=8 m=32
